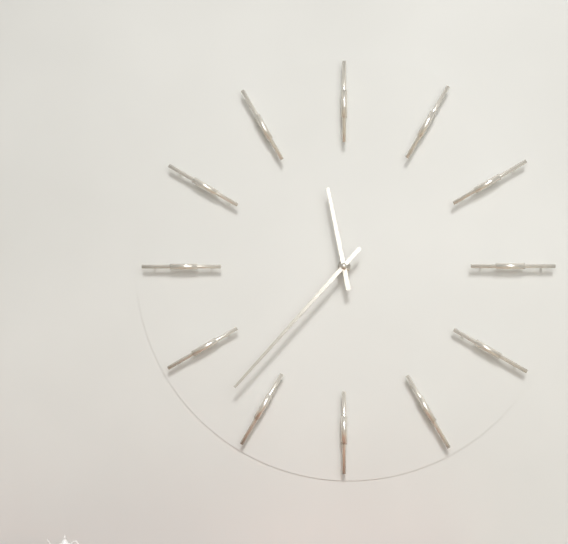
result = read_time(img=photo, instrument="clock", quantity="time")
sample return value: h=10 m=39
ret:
h=11 m=37
